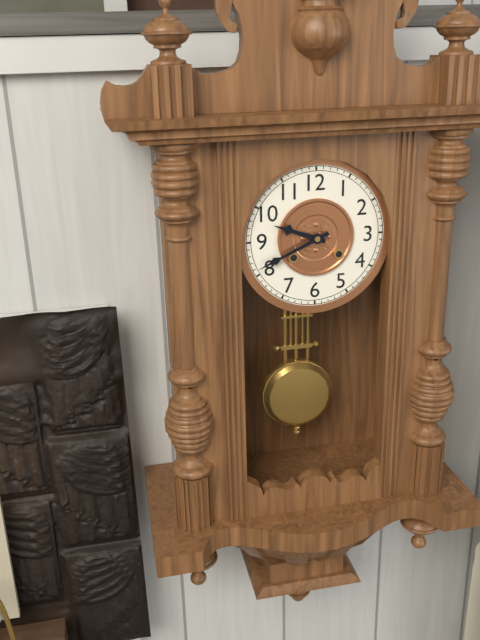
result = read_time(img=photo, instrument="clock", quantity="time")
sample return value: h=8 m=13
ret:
h=9 m=41
